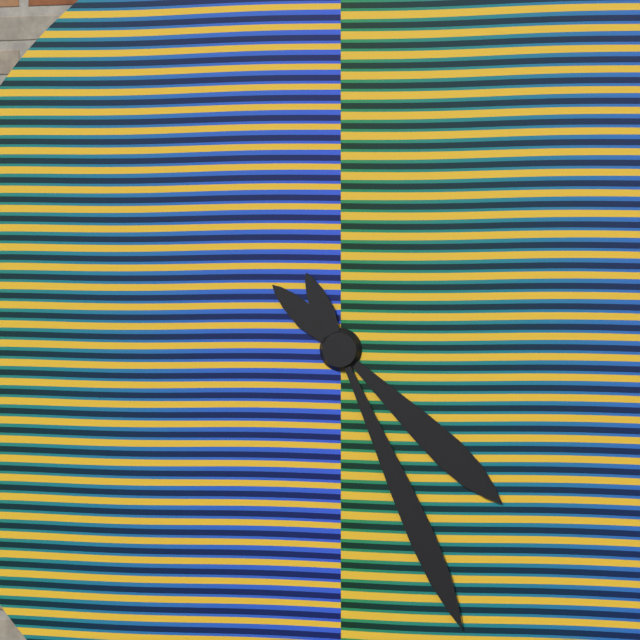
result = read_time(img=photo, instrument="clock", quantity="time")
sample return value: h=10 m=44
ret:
h=4 m=26
